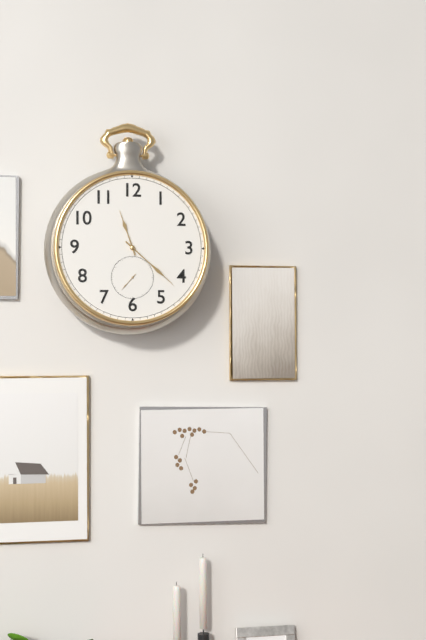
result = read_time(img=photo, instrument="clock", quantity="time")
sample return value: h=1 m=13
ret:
h=11 m=22
